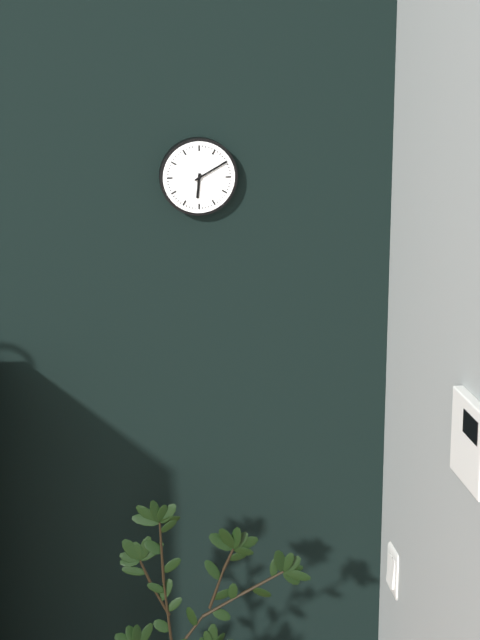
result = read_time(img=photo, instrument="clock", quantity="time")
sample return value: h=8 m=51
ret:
h=6 m=10
